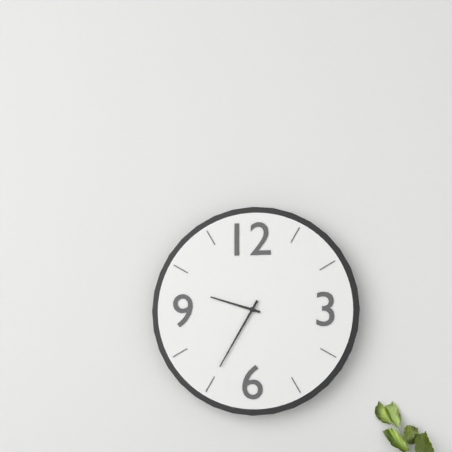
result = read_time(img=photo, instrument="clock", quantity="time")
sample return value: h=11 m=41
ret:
h=9 m=35
